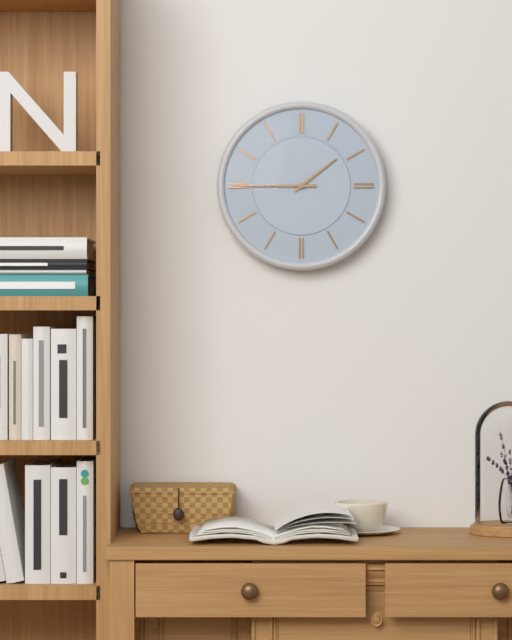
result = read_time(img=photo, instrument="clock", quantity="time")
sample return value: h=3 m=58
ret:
h=1 m=45
